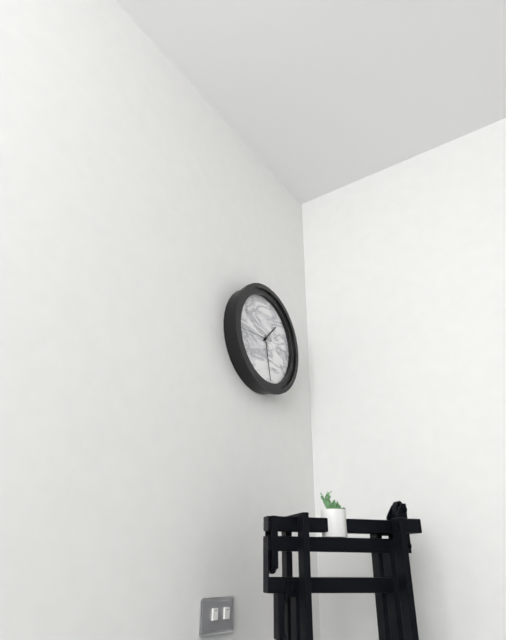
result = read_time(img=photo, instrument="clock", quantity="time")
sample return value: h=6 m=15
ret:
h=1 m=28
